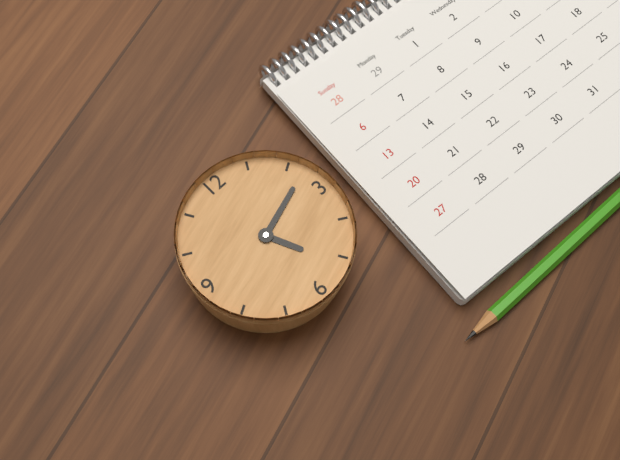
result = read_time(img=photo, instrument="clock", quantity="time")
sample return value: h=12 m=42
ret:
h=5 m=12
